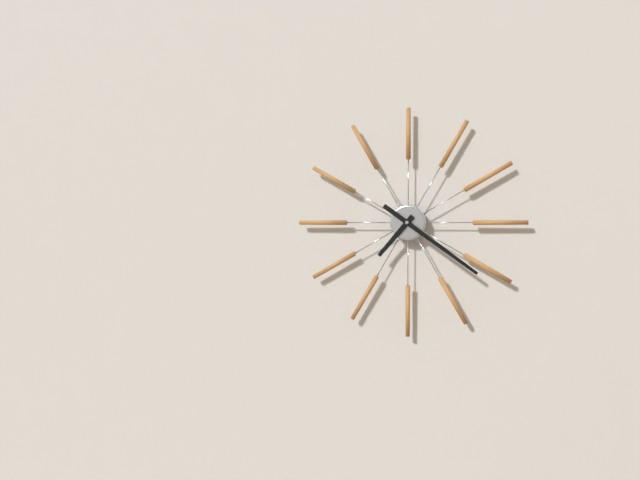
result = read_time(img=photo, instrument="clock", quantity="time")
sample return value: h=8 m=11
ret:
h=7 m=21
